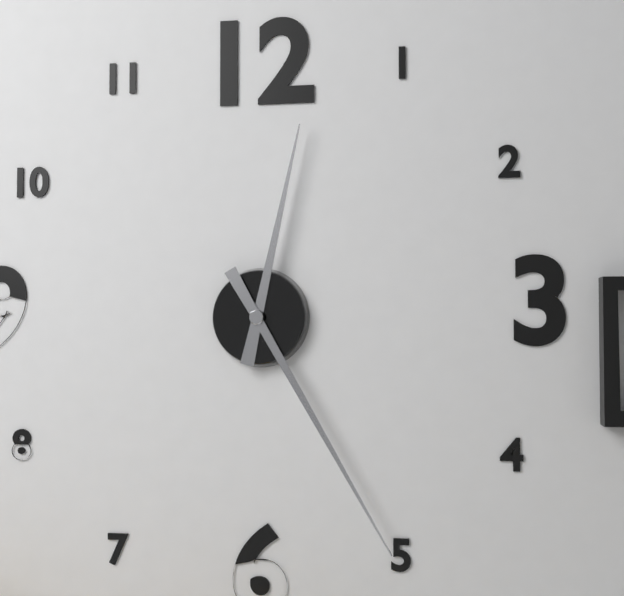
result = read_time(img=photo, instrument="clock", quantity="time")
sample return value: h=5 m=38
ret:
h=12 m=25
